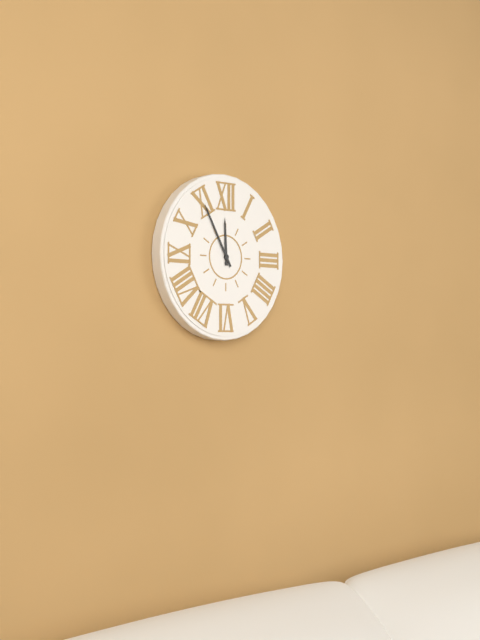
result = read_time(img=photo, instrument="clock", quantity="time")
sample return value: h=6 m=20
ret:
h=11 m=55
